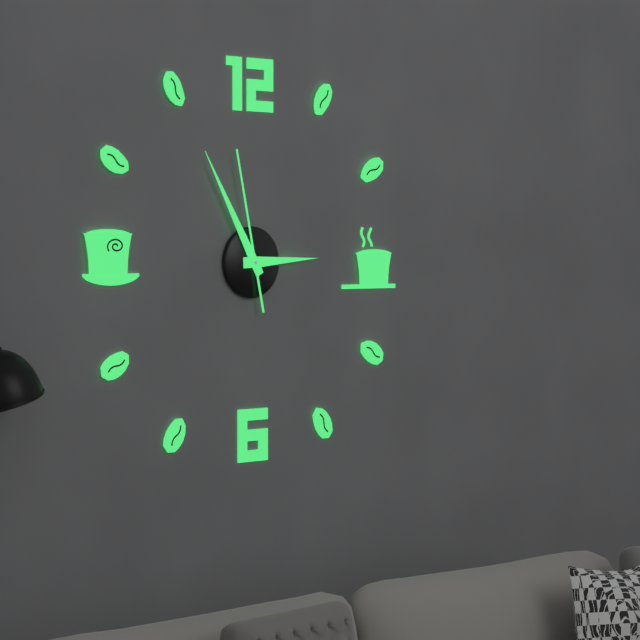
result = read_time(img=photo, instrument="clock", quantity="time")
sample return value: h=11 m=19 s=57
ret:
h=2 m=55 s=58
